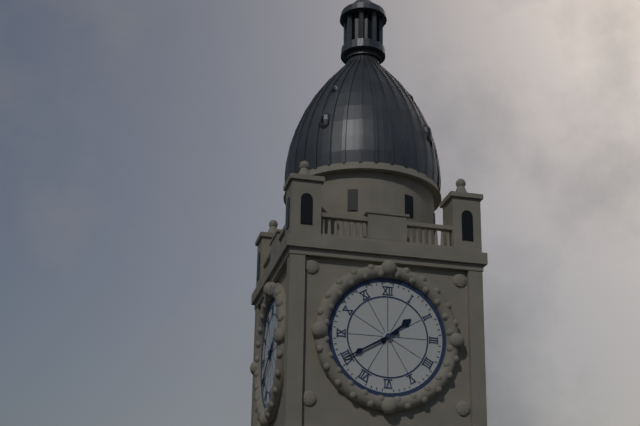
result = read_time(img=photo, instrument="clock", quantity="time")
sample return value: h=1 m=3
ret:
h=1 m=40
